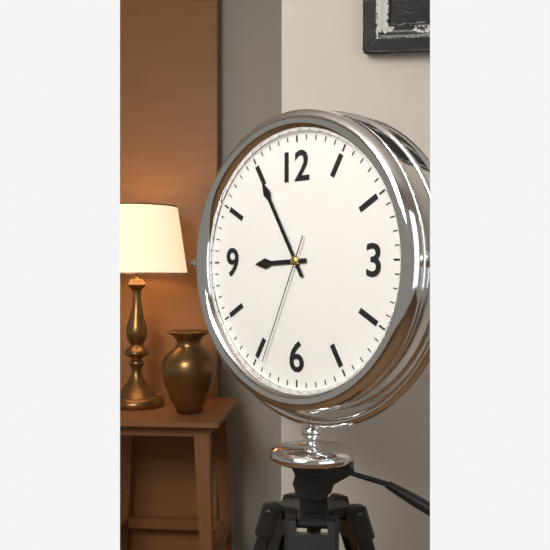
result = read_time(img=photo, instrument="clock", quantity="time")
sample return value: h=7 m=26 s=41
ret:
h=8 m=55 s=34
